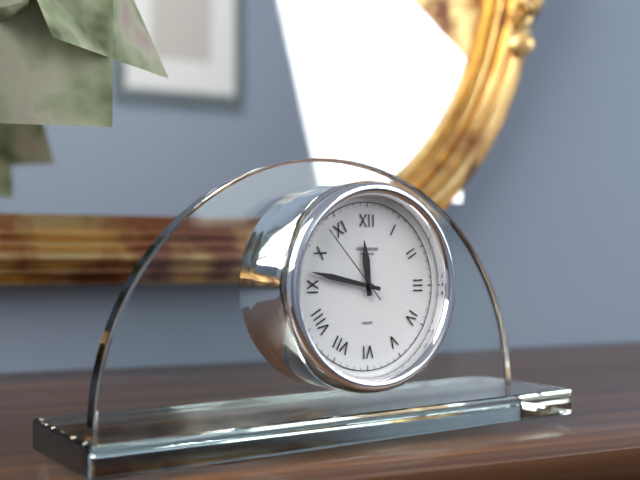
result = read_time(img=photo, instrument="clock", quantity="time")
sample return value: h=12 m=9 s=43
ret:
h=11 m=47 s=53
